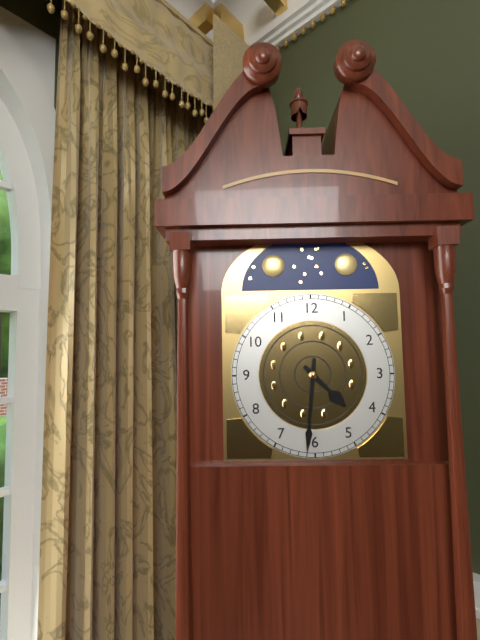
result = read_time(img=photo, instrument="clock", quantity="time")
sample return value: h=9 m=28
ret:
h=4 m=31
